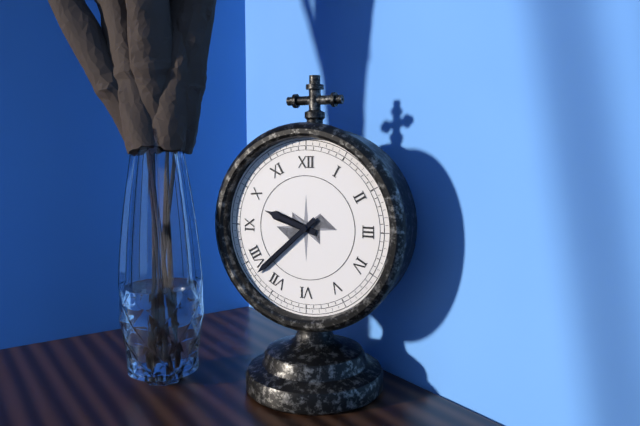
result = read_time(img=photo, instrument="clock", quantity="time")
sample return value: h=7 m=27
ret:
h=9 m=38
